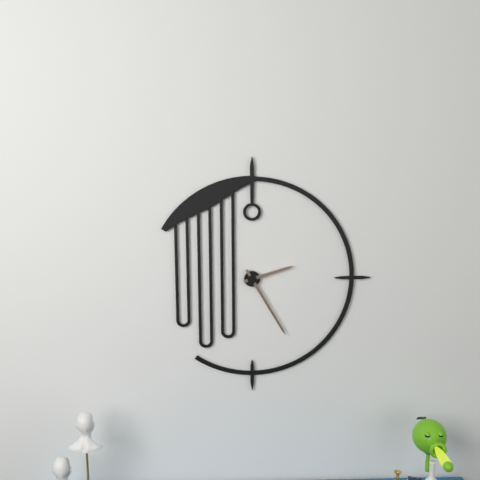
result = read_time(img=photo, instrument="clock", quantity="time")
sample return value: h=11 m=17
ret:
h=2 m=25
